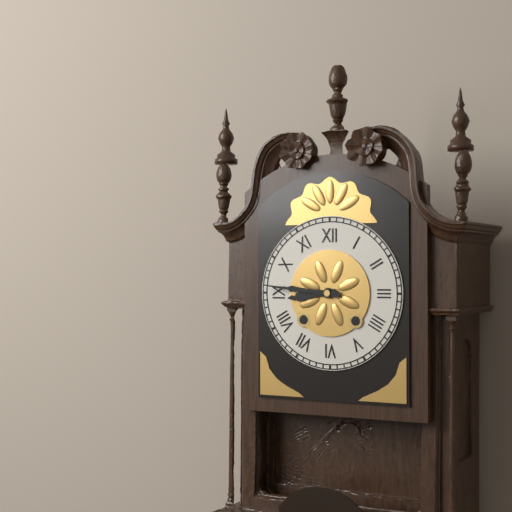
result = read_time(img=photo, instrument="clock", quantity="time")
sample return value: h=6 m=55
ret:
h=8 m=46
